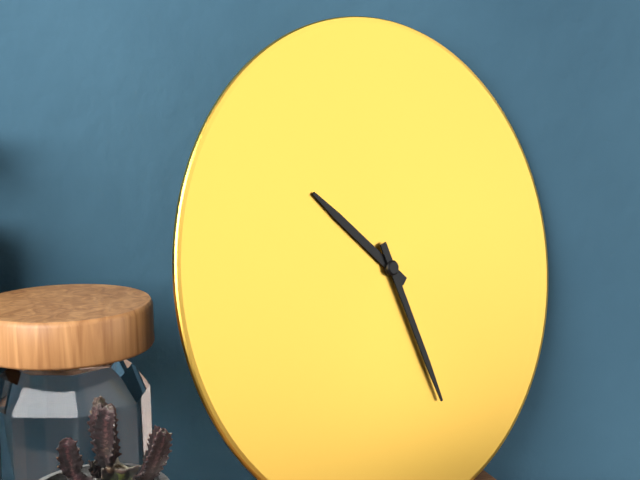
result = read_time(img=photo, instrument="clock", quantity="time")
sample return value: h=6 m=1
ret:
h=10 m=27
